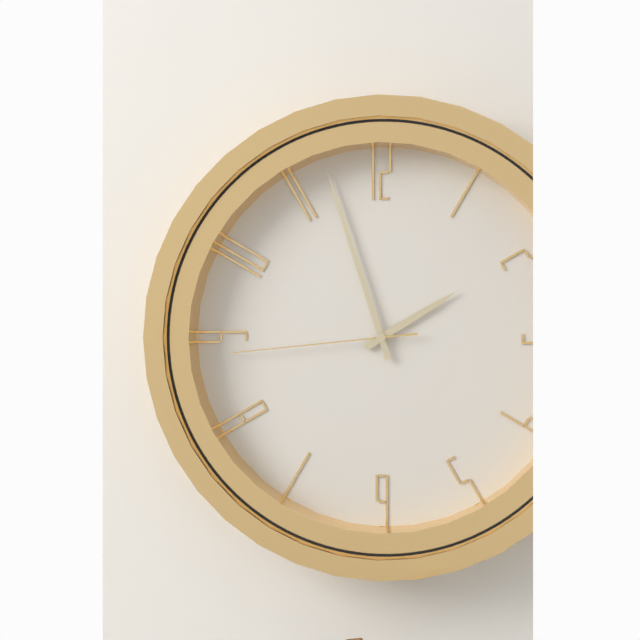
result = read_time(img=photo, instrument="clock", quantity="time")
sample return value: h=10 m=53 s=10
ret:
h=1 m=57 s=44
